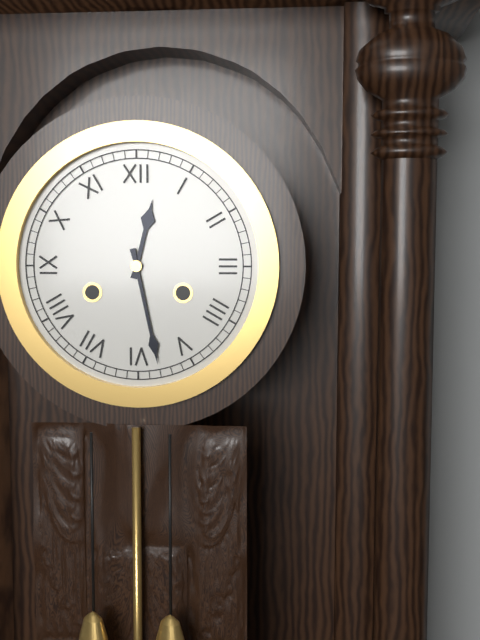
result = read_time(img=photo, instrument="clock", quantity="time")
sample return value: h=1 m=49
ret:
h=12 m=28
